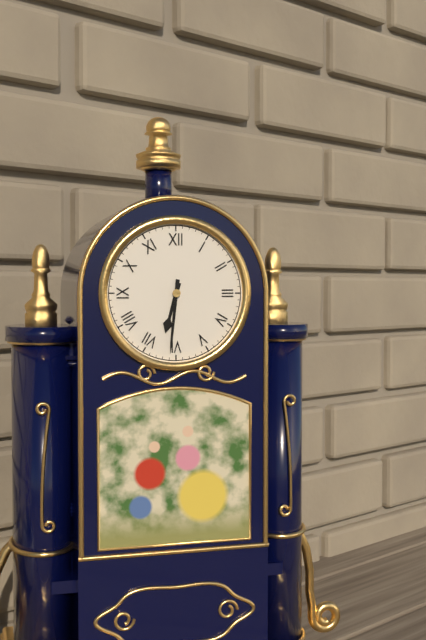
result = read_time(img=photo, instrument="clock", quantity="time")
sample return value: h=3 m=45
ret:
h=6 m=31
